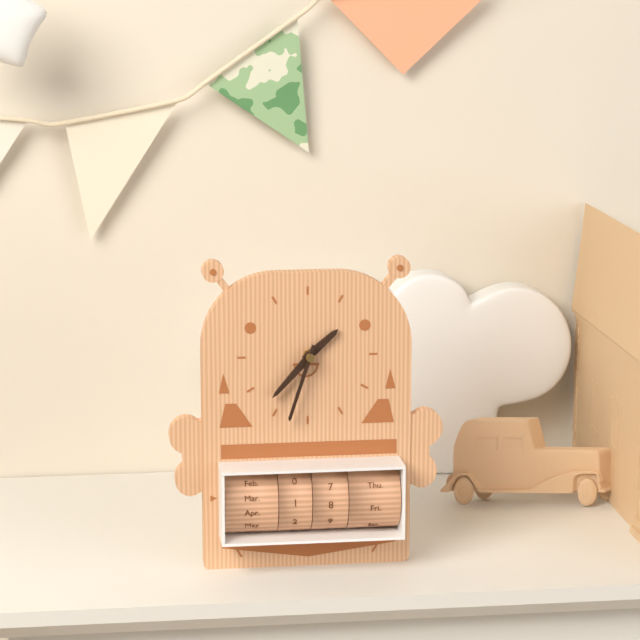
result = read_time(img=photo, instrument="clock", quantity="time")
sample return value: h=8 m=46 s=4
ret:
h=1 m=37 s=33
